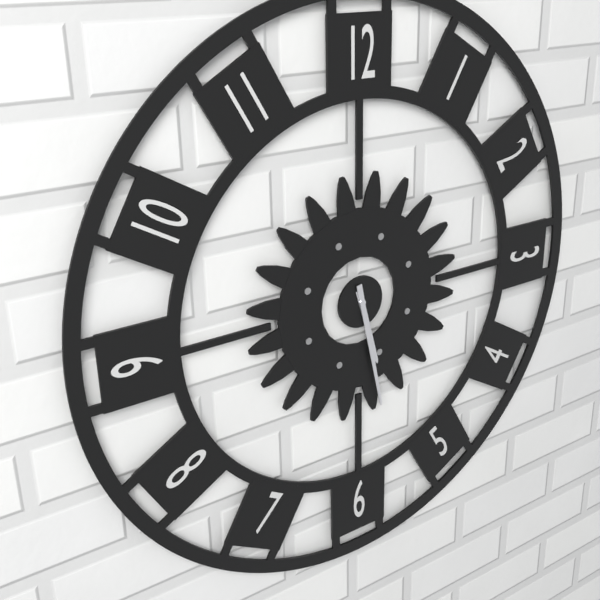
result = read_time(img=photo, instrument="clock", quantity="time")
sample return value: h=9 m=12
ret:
h=5 m=28
